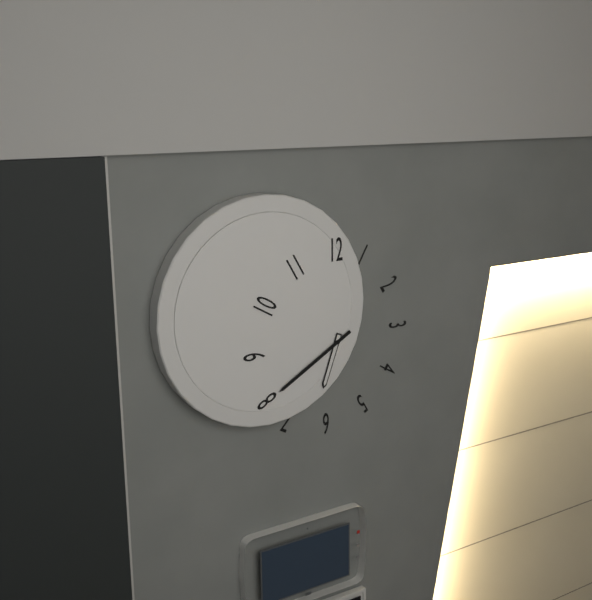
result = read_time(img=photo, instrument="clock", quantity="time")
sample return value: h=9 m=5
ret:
h=6 m=40
